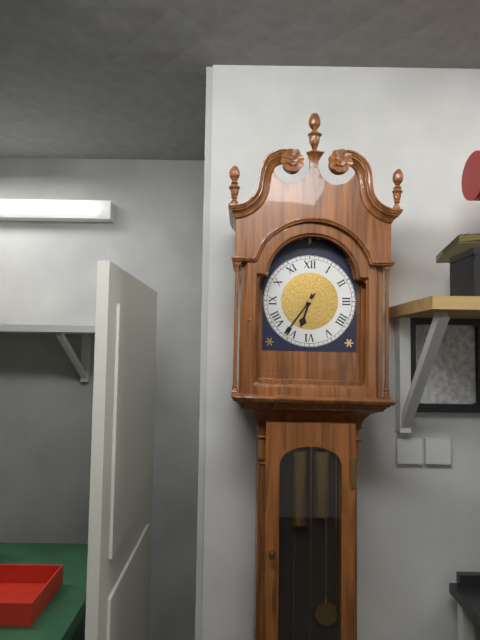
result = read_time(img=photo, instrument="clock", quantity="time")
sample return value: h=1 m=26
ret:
h=6 m=36
